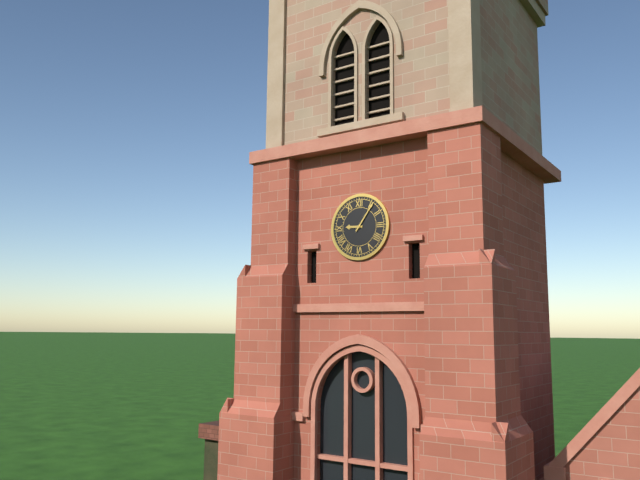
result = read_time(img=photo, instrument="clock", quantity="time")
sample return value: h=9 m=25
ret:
h=9 m=6
